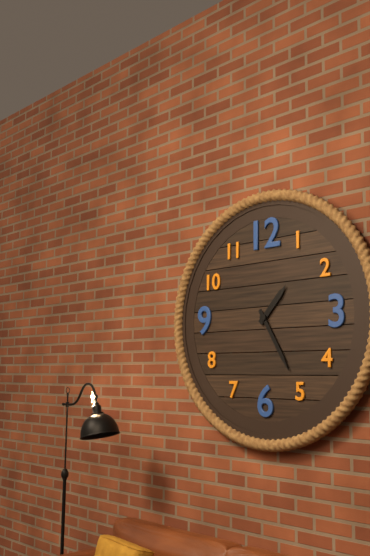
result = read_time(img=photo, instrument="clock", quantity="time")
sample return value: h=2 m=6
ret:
h=1 m=25
